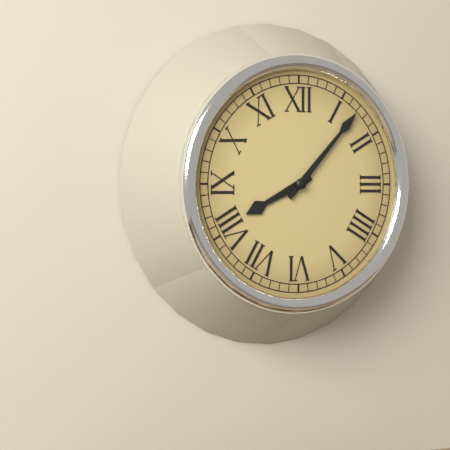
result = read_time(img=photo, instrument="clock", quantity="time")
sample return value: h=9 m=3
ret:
h=8 m=7
